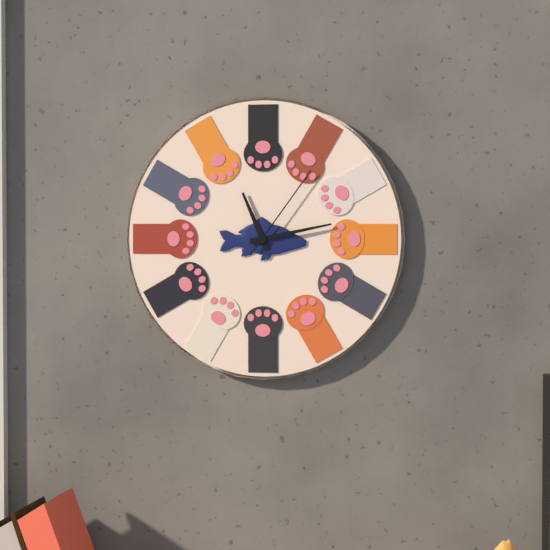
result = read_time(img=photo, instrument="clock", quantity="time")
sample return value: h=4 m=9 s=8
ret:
h=11 m=13 s=6
